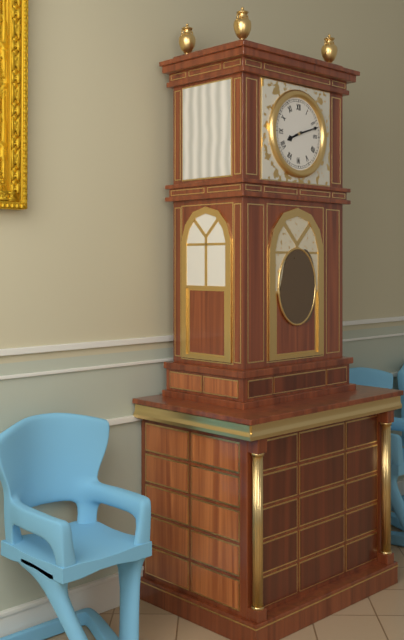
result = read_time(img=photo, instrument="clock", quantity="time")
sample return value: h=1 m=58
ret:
h=8 m=12
